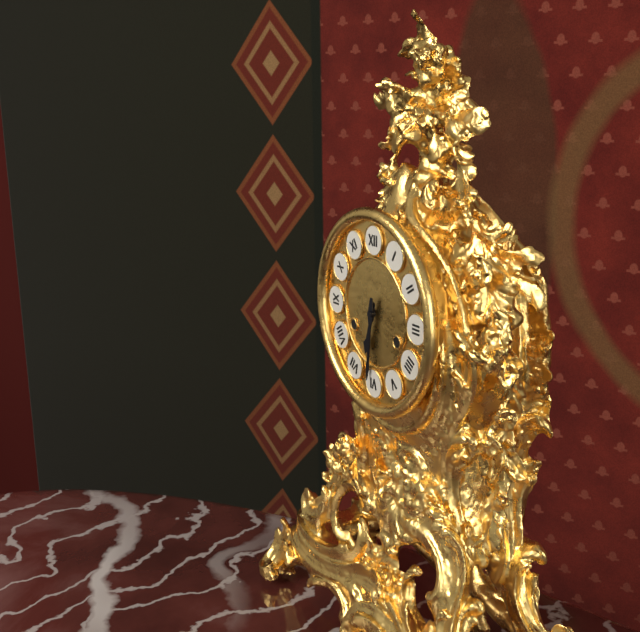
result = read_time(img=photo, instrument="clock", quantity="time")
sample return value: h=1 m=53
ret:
h=6 m=31
